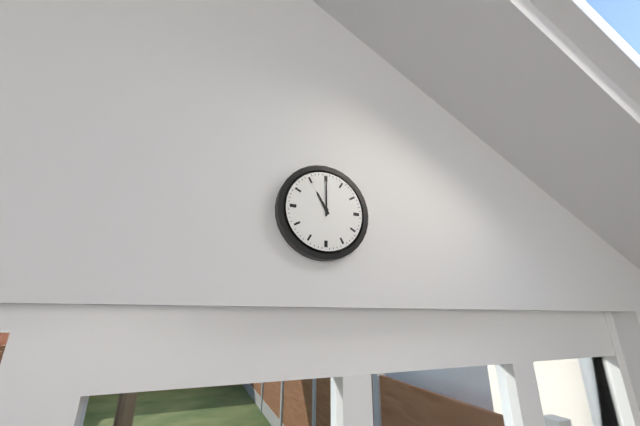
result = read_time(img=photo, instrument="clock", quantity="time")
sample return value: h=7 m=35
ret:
h=11 m=0
